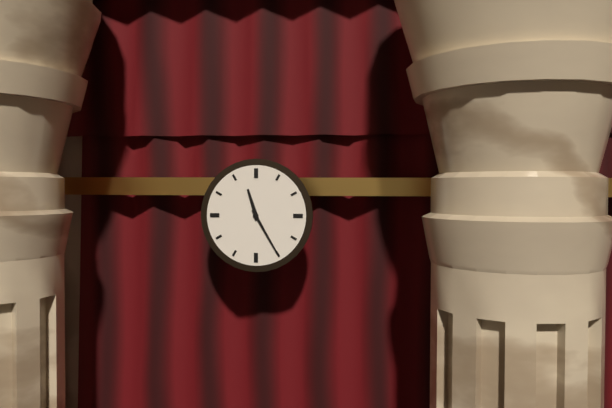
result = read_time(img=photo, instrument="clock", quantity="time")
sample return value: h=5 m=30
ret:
h=11 m=25
